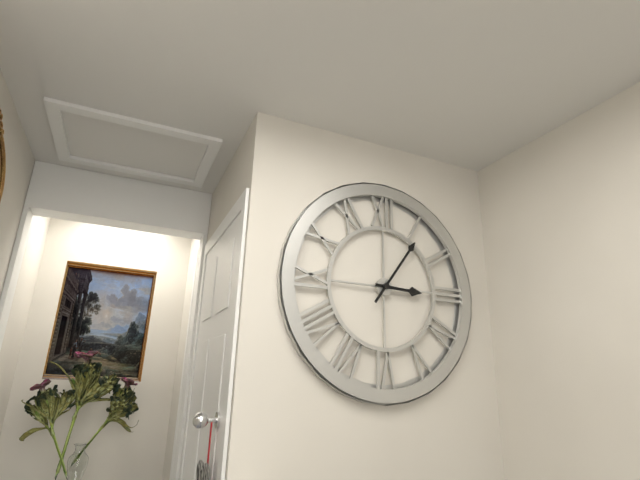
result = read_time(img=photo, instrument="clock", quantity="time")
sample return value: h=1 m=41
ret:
h=3 m=6
